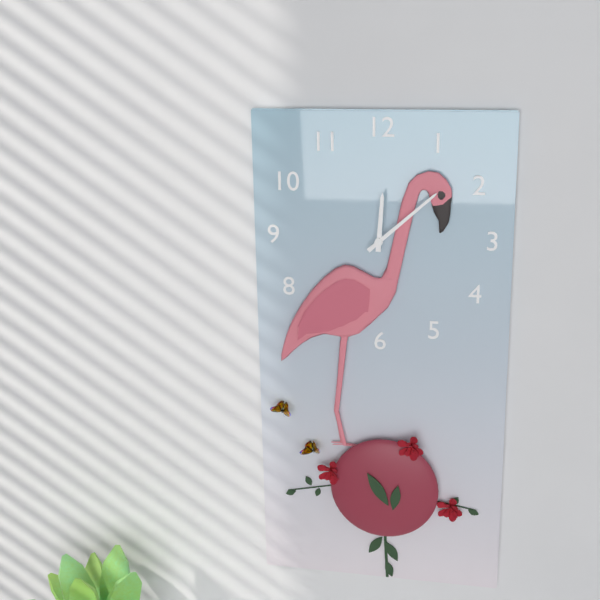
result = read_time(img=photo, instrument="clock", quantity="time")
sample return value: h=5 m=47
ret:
h=12 m=8
